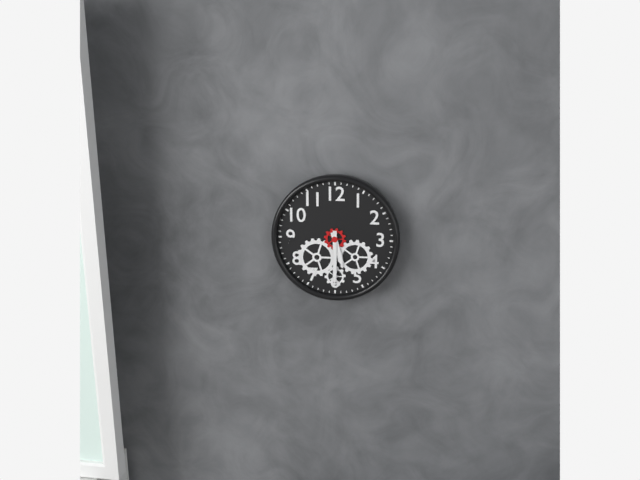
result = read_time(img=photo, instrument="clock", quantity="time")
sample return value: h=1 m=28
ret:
h=5 m=30
